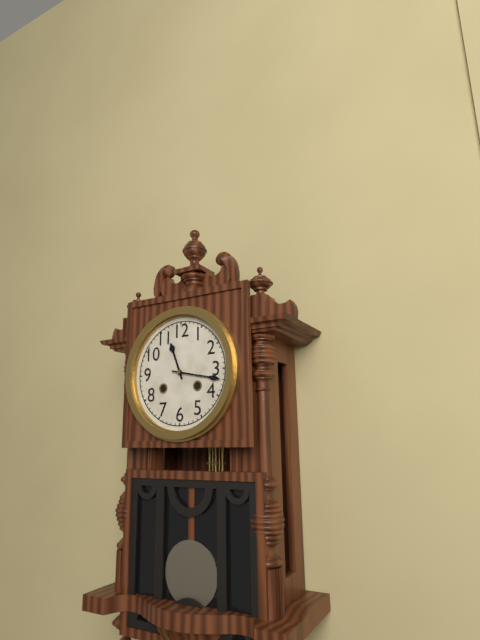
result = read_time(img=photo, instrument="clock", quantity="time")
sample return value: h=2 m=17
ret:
h=11 m=17
